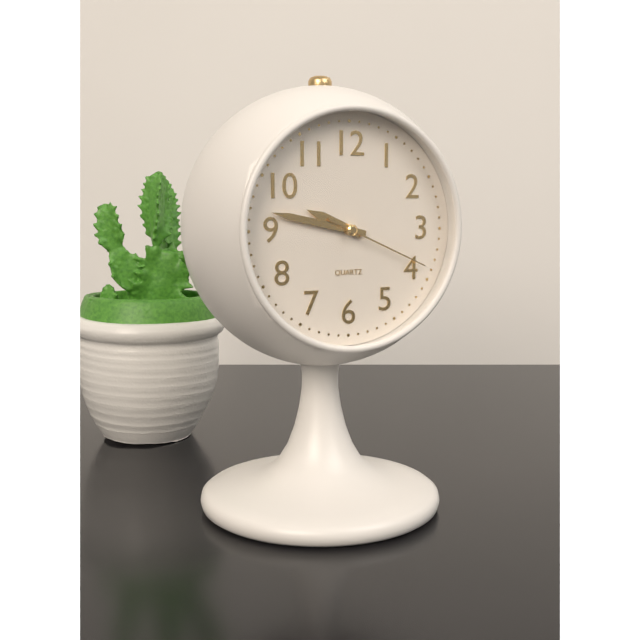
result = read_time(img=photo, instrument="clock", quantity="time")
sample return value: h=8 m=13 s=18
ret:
h=9 m=47 s=19
